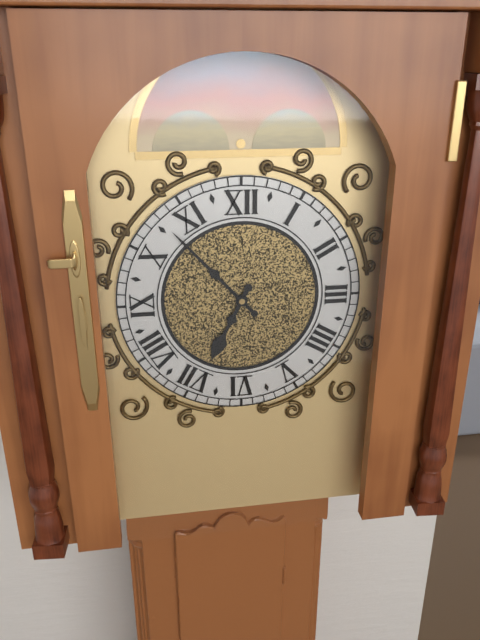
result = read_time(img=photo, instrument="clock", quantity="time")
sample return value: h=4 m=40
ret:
h=6 m=53
